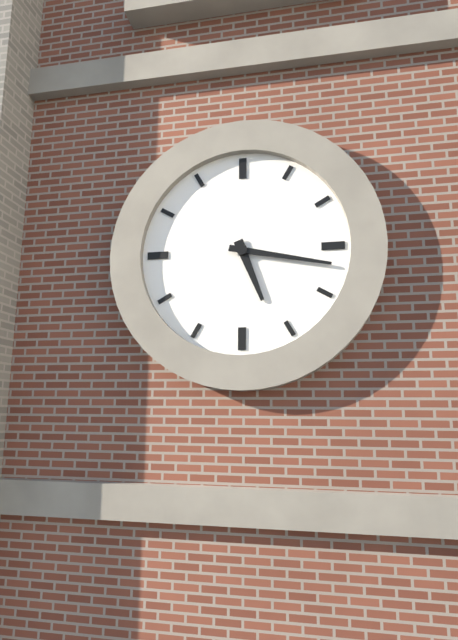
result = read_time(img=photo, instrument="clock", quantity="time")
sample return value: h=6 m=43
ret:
h=5 m=17
